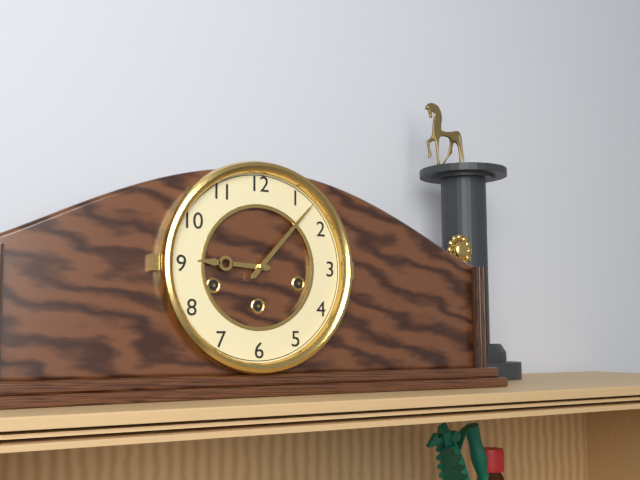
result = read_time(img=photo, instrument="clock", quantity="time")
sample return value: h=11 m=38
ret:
h=9 m=7
